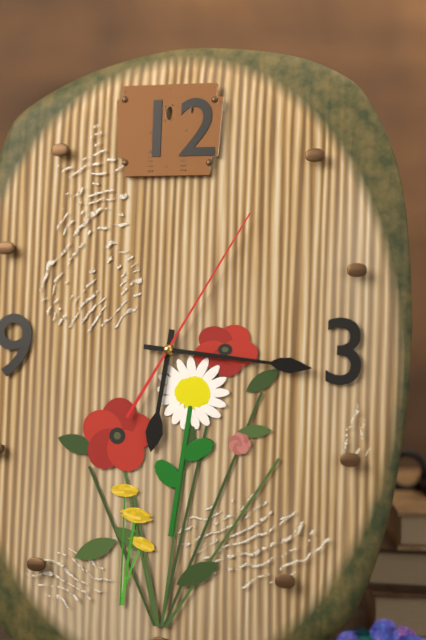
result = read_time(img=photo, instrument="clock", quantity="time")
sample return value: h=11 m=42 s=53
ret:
h=6 m=16 s=5
